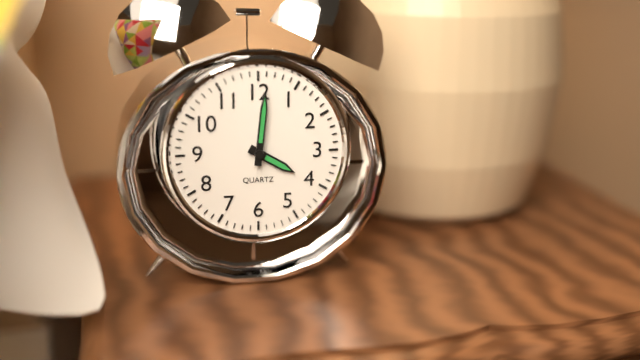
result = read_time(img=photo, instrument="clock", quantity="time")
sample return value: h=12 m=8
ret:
h=4 m=1
